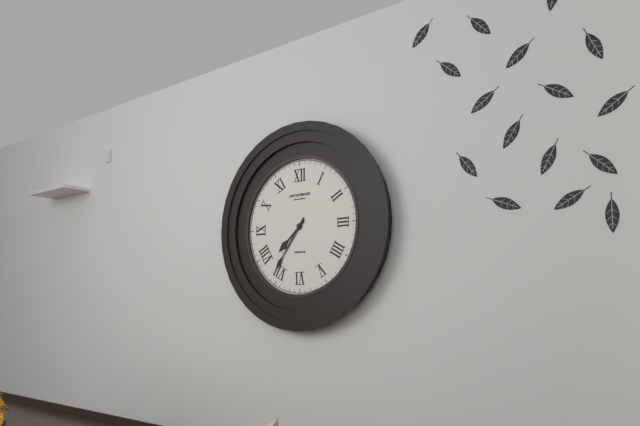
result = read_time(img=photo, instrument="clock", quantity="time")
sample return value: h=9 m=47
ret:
h=7 m=36
